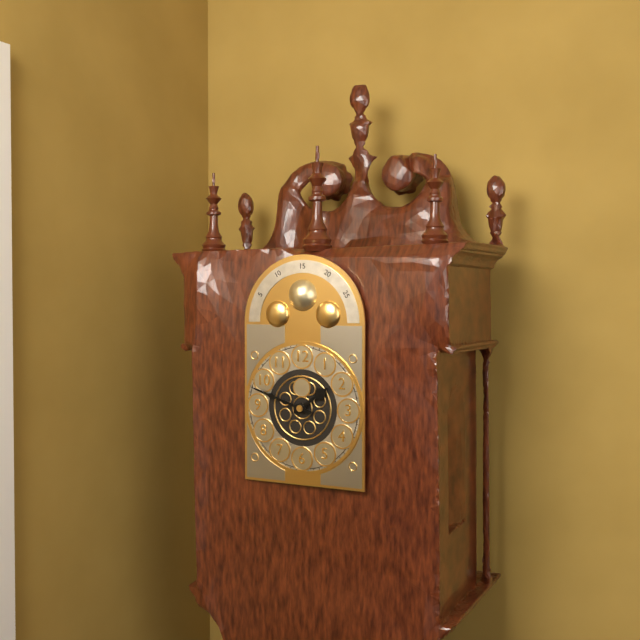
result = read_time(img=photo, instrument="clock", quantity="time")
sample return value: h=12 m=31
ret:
h=1 m=48
